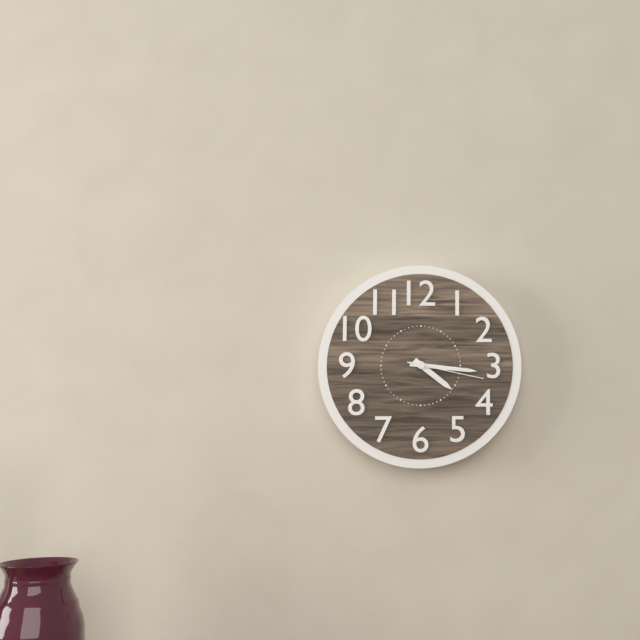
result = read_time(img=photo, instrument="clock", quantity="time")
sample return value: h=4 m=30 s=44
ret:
h=4 m=16 s=17
